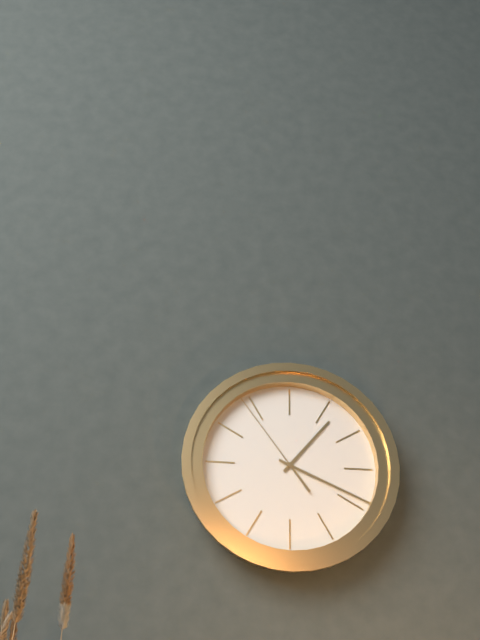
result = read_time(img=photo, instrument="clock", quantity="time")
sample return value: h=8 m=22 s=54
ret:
h=1 m=19 s=54
